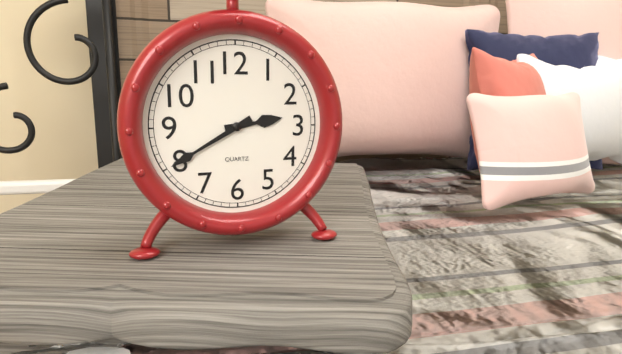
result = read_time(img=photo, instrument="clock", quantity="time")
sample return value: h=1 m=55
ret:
h=2 m=40
